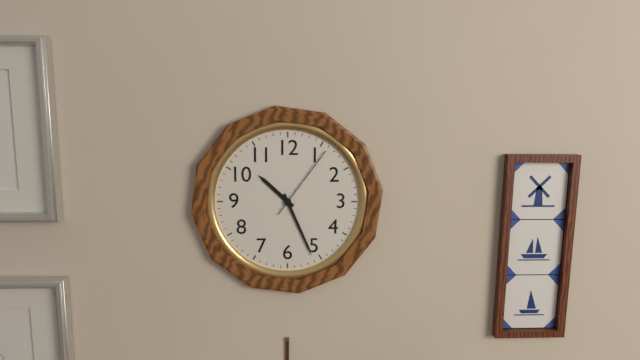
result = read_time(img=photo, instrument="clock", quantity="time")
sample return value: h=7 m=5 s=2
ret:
h=10 m=26 s=6
